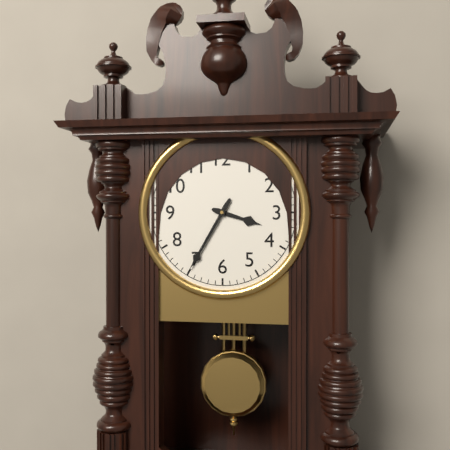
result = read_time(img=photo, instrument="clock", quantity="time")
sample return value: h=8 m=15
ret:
h=3 m=35
